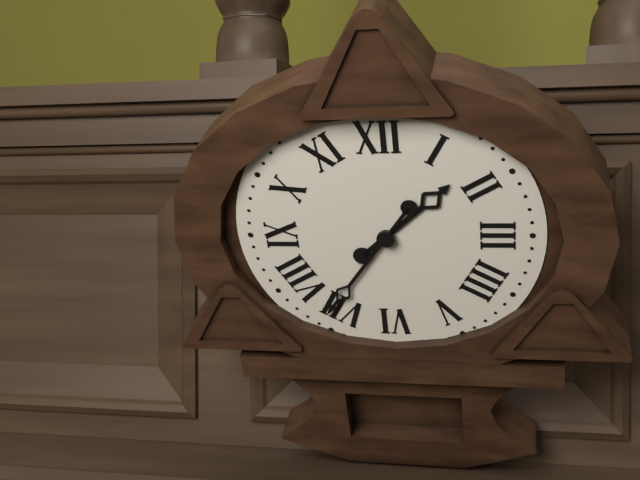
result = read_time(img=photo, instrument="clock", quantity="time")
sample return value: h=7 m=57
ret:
h=1 m=36
